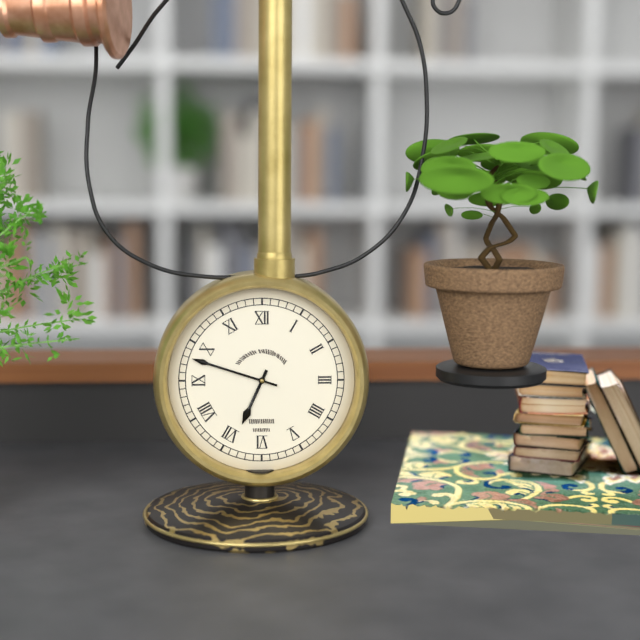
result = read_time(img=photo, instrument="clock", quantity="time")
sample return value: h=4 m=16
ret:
h=6 m=48
